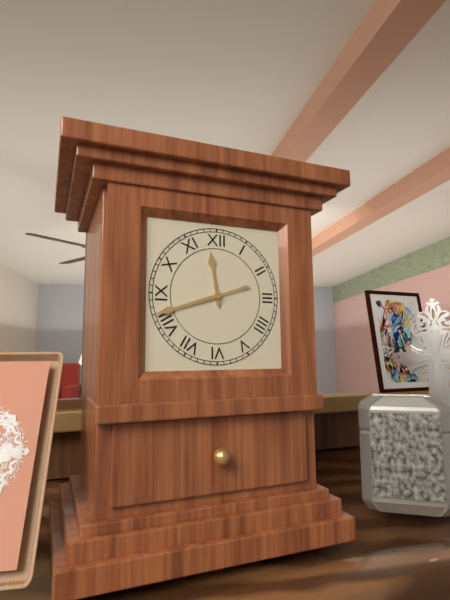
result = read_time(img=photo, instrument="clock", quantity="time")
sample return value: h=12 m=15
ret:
h=11 m=42
